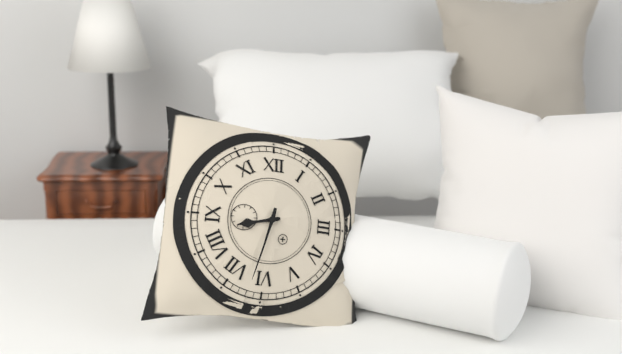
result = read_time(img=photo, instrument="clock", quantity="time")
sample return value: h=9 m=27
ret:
h=8 m=32
